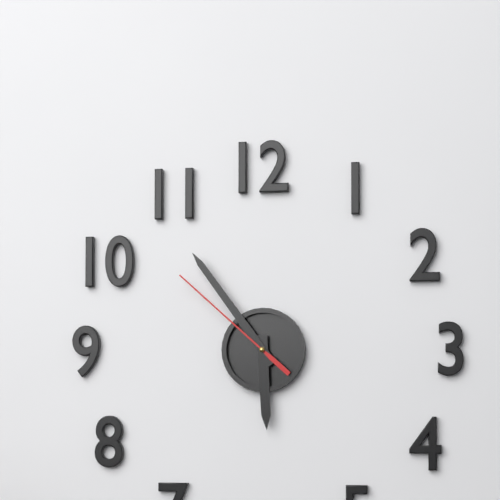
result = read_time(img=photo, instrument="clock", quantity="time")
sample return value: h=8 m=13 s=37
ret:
h=5 m=54 s=52
